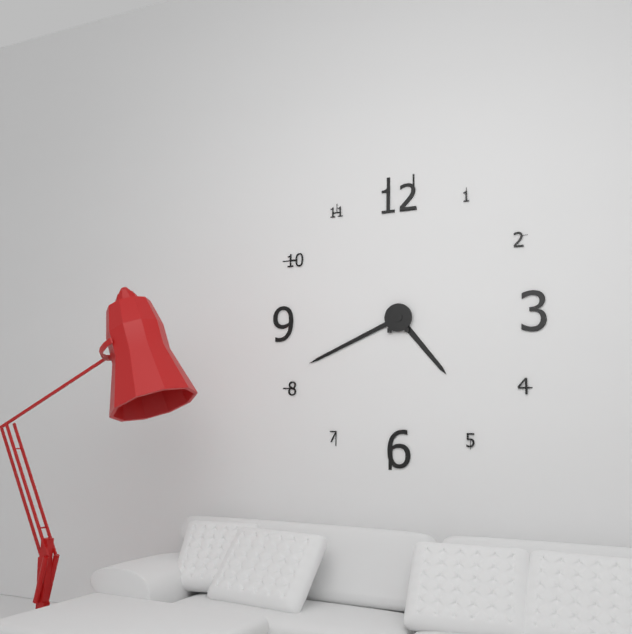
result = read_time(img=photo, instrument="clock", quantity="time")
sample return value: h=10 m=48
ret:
h=4 m=41
